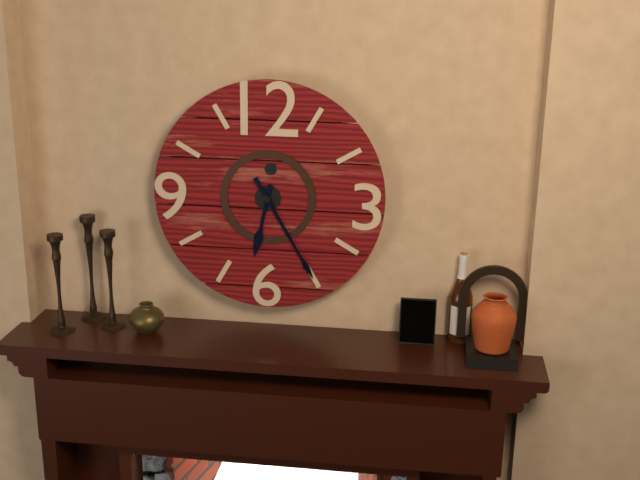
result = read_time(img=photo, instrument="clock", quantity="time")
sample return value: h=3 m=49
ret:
h=6 m=25
